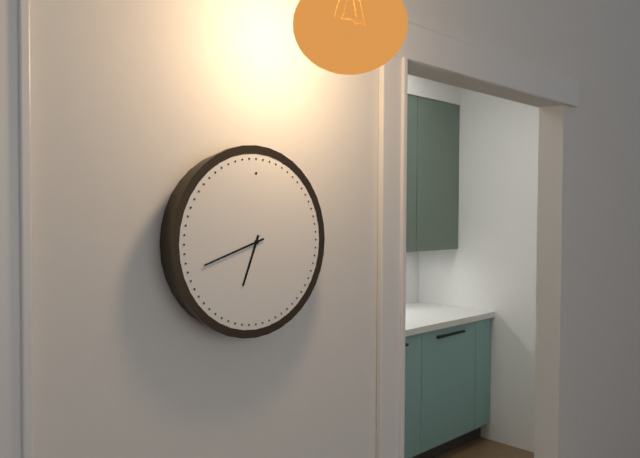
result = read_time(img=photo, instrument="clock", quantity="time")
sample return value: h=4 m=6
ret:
h=6 m=42
